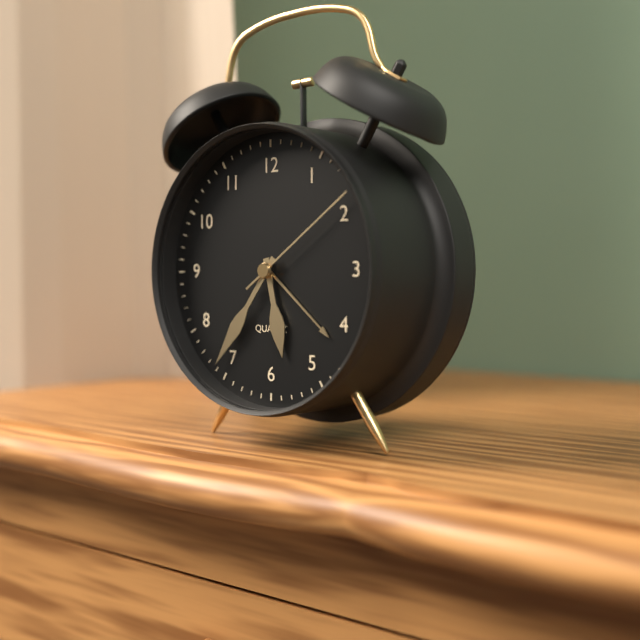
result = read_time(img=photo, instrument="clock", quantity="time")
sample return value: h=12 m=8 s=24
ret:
h=5 m=36 s=9
